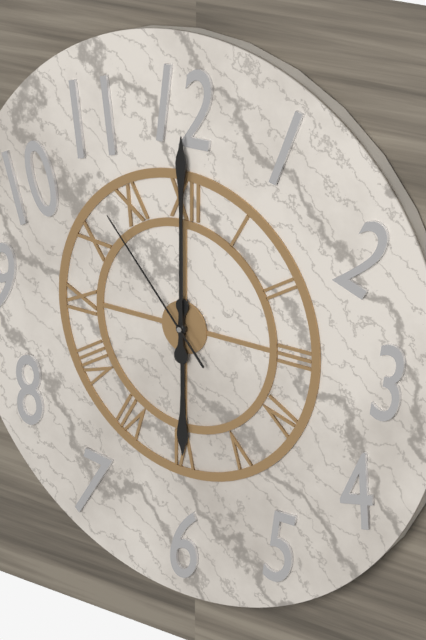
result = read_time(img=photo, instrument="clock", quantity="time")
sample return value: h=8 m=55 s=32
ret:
h=6 m=0 s=53
